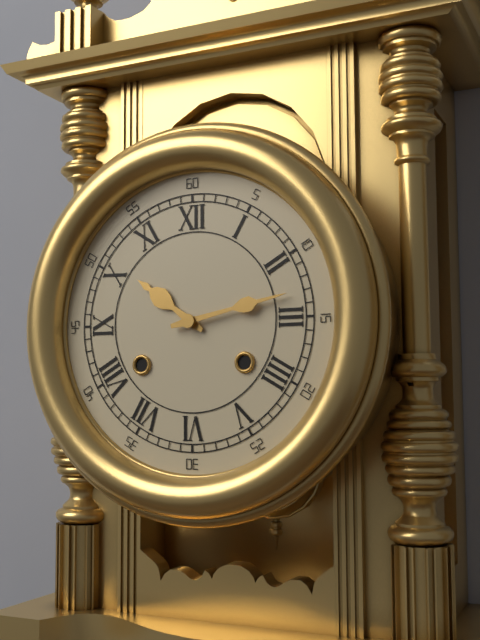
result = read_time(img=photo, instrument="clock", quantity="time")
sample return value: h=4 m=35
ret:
h=10 m=13
